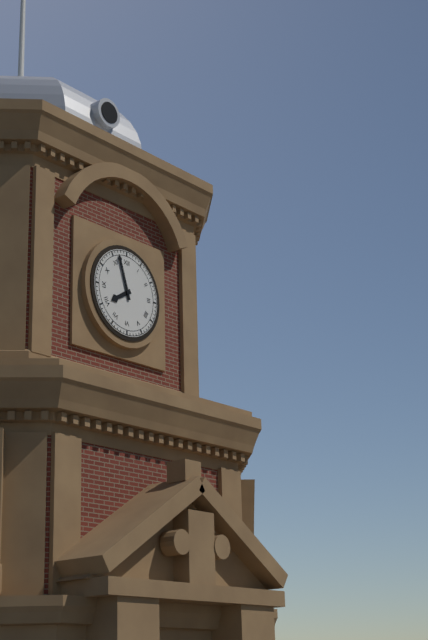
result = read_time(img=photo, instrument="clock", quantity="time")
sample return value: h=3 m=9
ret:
h=7 m=57
